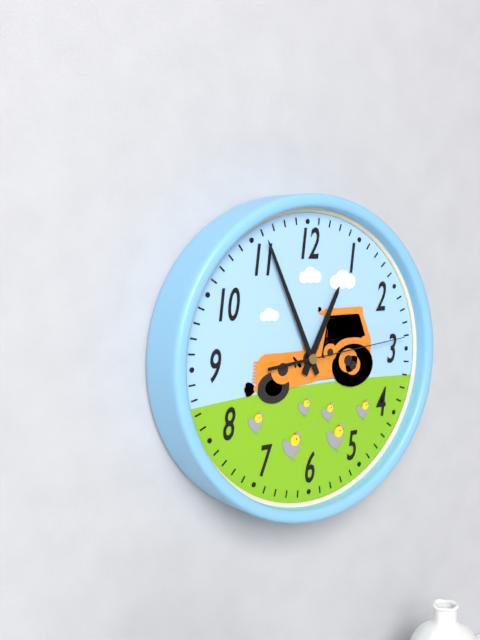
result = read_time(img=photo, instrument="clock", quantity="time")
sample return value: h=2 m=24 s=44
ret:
h=12 m=56 s=14
